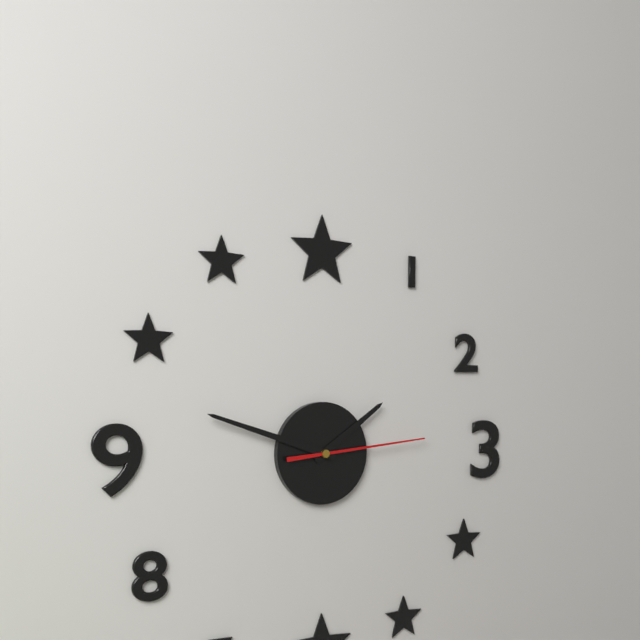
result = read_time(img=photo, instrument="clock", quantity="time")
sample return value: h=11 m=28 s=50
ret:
h=1 m=48 s=14
